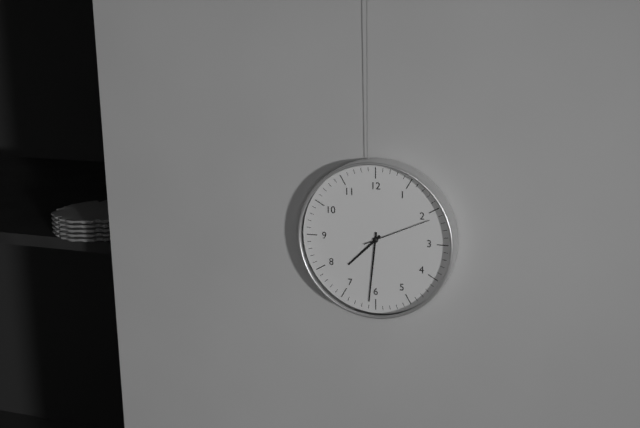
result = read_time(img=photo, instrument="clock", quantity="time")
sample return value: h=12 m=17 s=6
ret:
h=7 m=31 s=11
